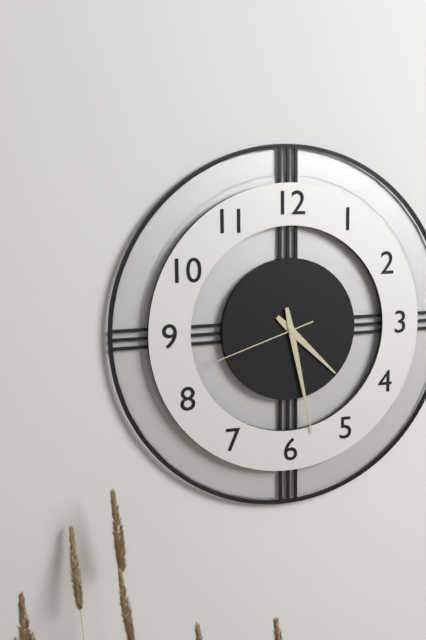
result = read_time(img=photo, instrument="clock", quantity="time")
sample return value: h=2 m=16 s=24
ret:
h=4 m=28 s=42
